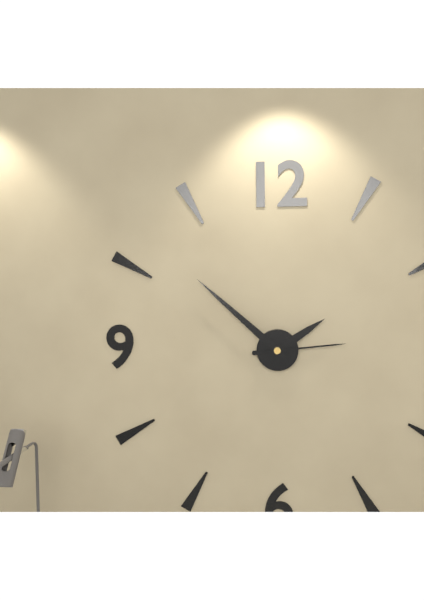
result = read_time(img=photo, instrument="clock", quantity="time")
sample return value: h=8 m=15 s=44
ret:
h=1 m=52 s=14
